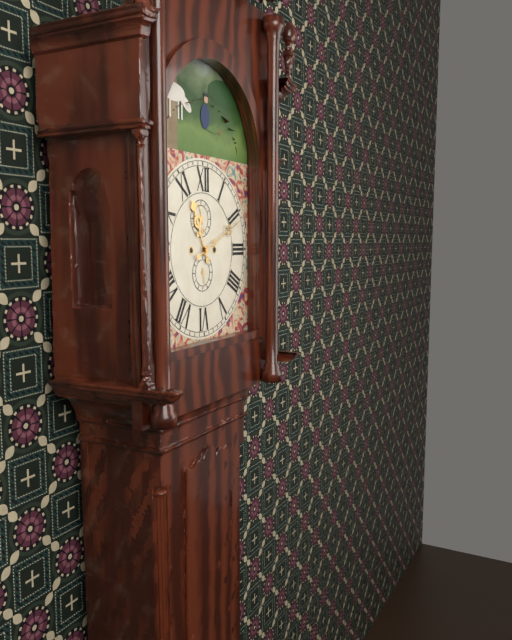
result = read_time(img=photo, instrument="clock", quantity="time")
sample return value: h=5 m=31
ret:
h=11 m=11
